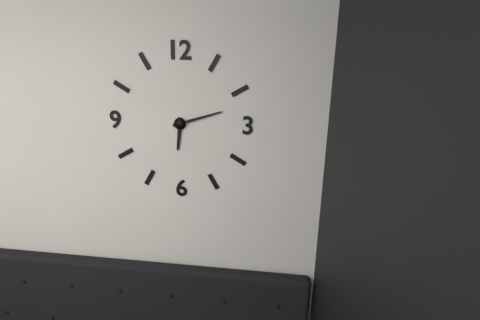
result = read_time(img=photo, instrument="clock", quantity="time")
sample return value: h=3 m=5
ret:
h=6 m=12
